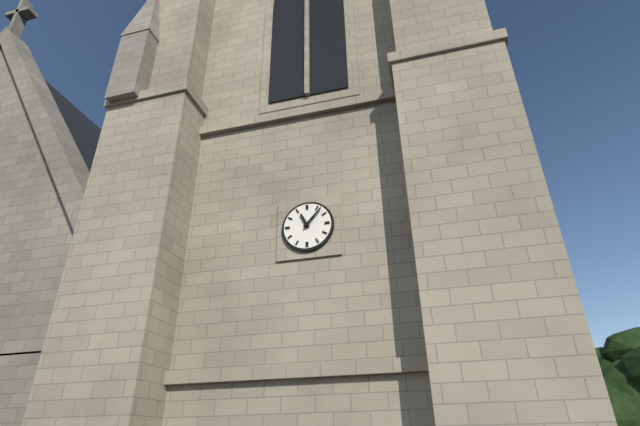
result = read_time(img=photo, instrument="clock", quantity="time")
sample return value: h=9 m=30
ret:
h=11 m=7
